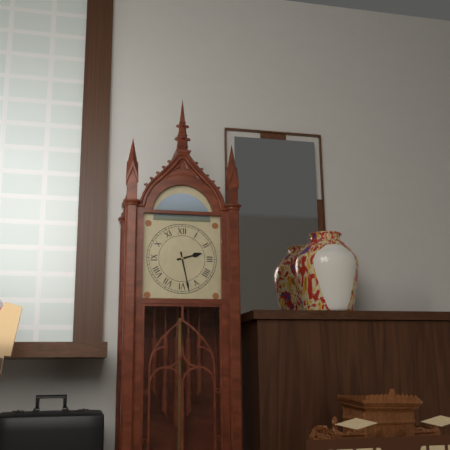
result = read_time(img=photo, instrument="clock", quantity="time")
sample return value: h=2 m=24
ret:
h=2 m=28
